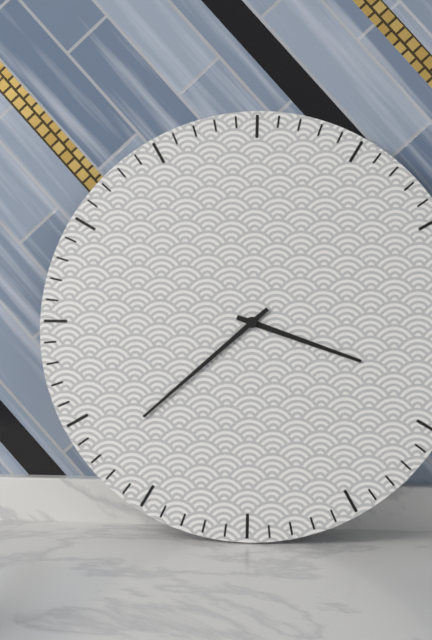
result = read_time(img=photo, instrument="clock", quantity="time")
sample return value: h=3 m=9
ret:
h=3 m=38
